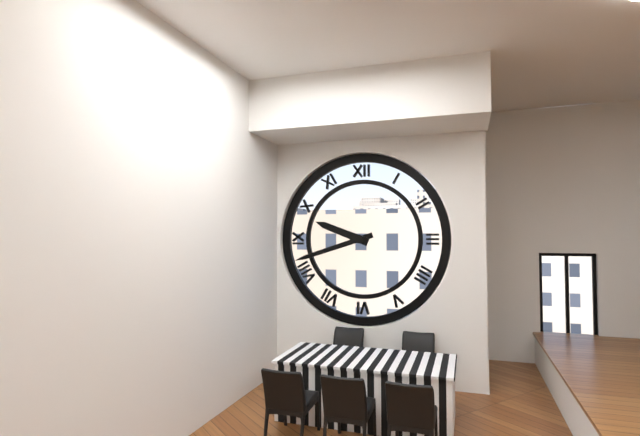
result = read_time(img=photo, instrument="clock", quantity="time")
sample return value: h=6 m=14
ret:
h=9 m=42
